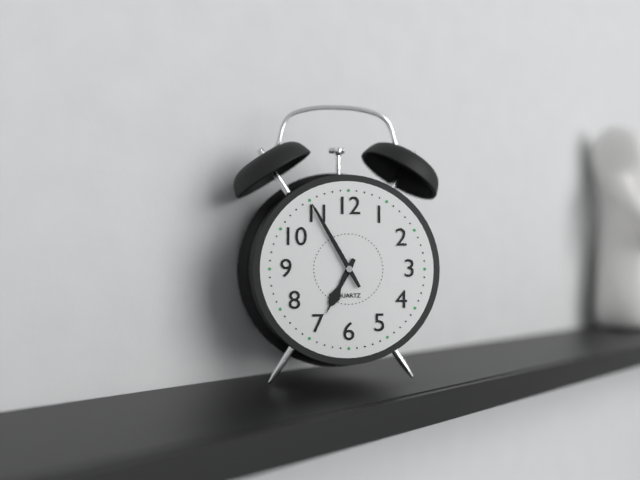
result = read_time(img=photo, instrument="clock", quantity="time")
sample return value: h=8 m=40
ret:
h=6 m=55
